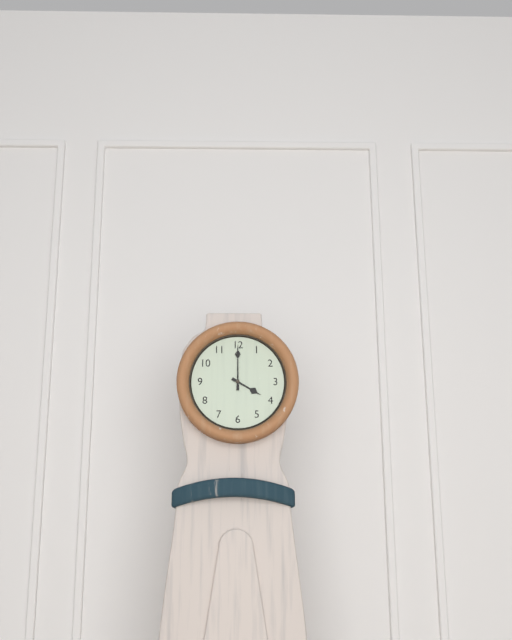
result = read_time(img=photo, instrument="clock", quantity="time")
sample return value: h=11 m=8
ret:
h=4 m=0
